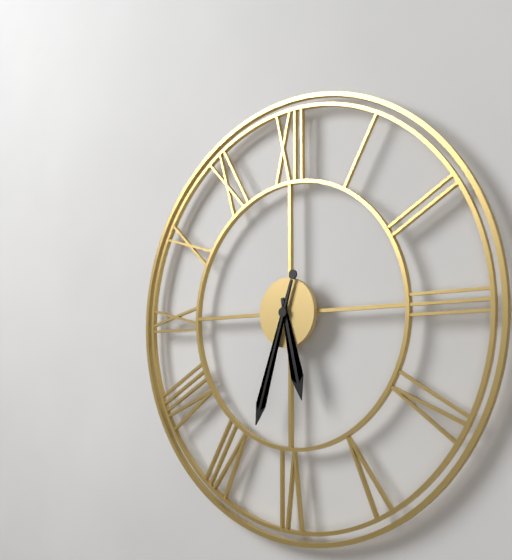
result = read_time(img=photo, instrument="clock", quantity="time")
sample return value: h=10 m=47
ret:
h=5 m=33
